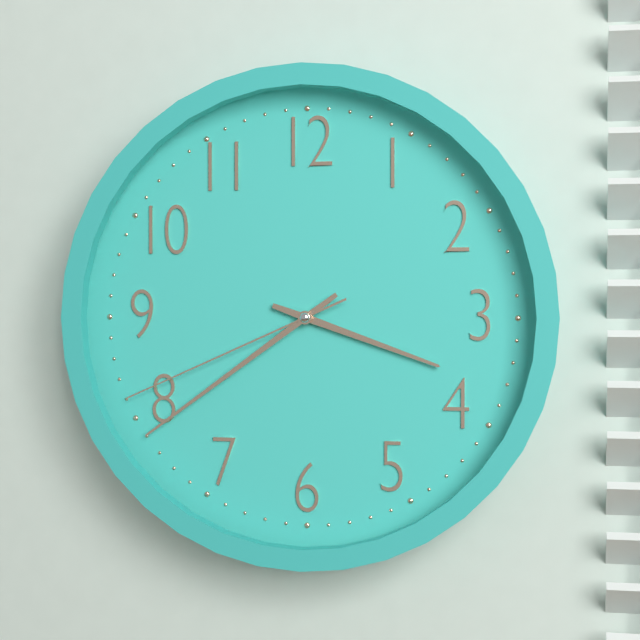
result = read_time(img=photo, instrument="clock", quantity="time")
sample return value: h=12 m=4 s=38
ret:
h=3 m=39 s=41
